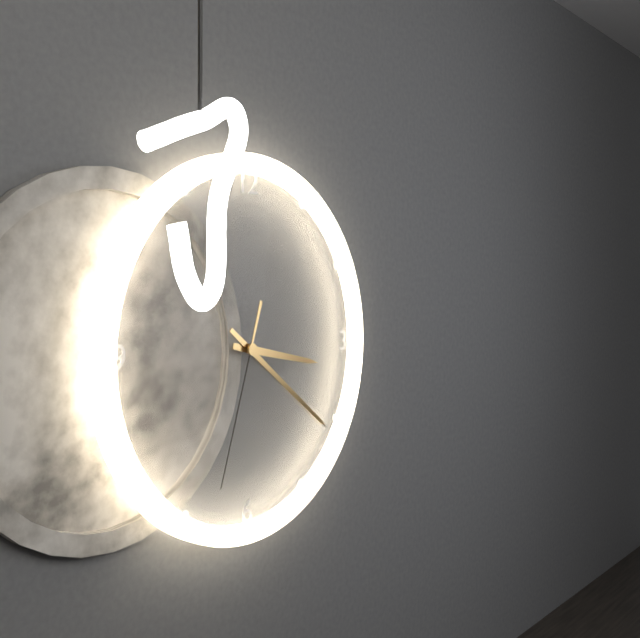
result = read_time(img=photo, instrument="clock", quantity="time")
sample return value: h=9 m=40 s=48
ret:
h=3 m=21 s=33
